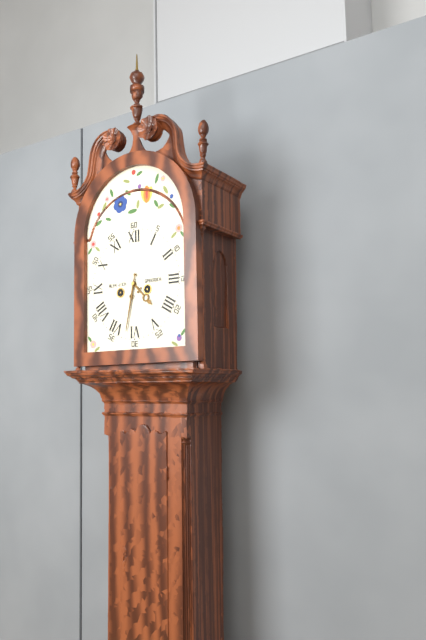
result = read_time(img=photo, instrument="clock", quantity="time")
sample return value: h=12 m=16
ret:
h=4 m=32
